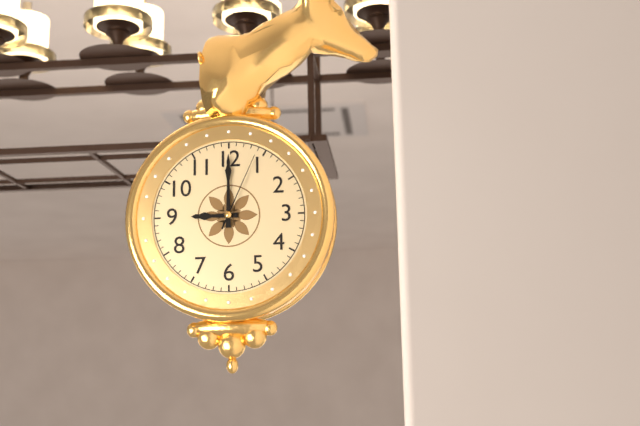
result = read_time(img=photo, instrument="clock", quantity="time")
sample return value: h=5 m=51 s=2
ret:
h=9 m=0 s=4
